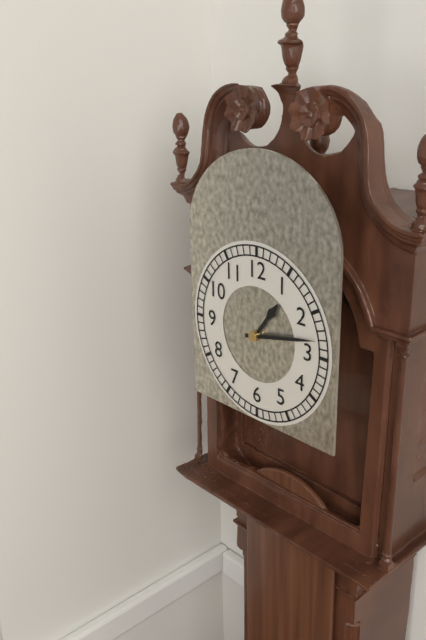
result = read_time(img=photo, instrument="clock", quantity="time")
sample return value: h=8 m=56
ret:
h=1 m=13
